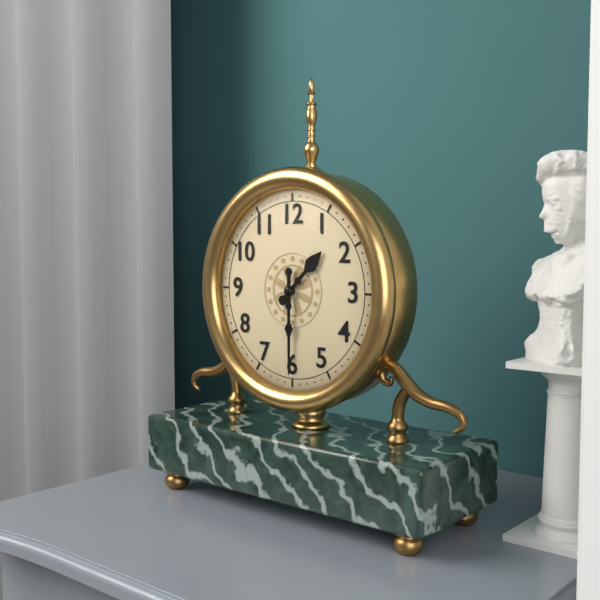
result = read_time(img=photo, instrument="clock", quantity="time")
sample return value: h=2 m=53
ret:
h=1 m=30
